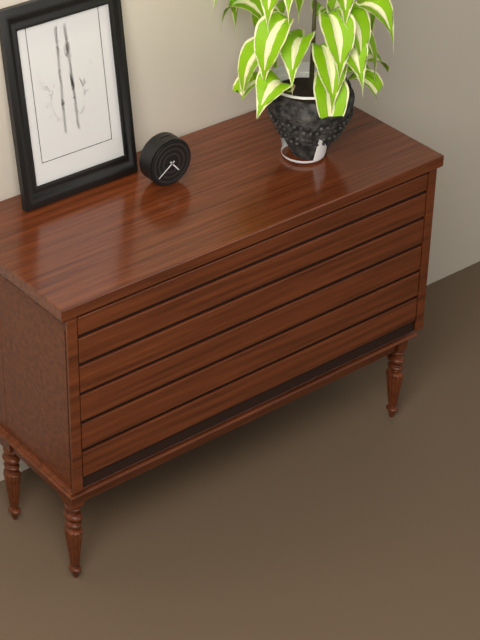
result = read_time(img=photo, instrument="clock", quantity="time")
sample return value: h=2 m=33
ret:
h=4 m=39
